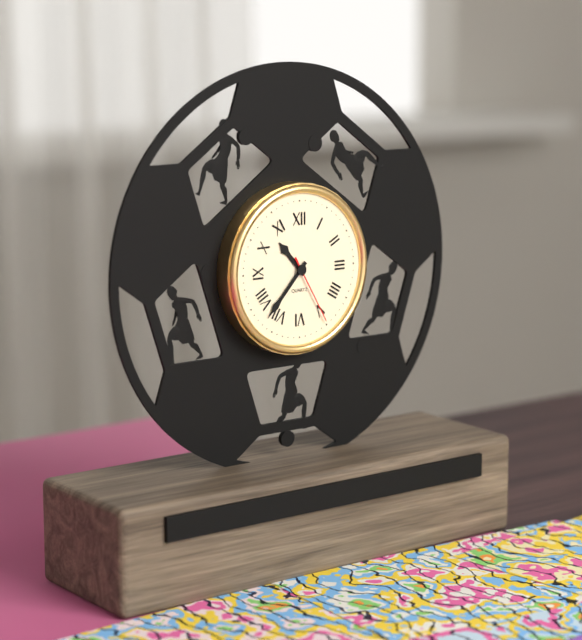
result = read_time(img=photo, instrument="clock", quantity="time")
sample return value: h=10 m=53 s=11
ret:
h=10 m=37 s=25
